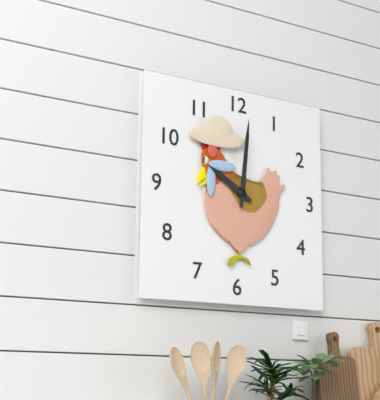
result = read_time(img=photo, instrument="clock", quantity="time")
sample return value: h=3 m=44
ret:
h=10 m=1
